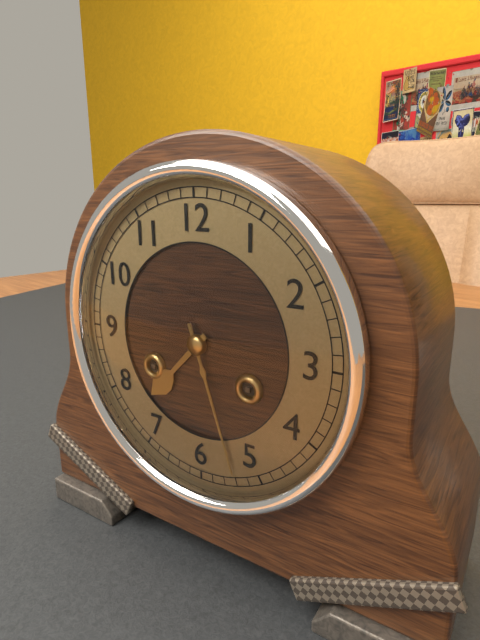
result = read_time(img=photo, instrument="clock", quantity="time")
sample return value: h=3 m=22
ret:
h=7 m=27
